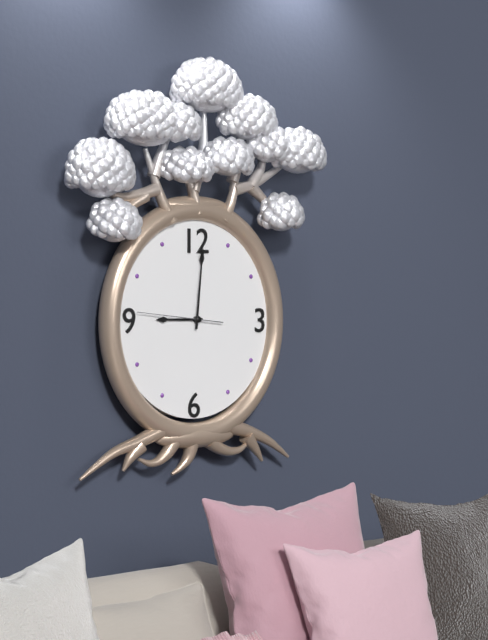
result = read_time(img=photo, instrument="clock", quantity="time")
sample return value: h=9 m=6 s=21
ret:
h=9 m=1 s=46
